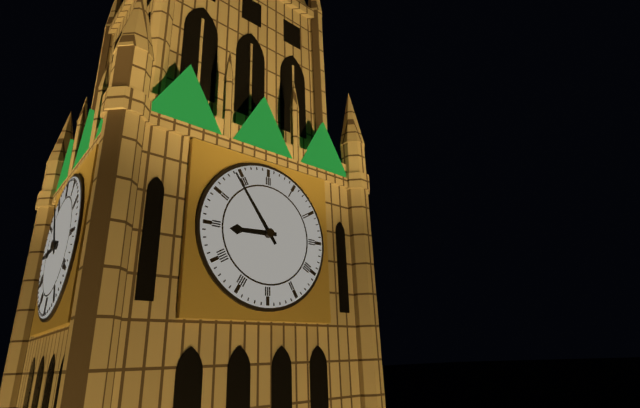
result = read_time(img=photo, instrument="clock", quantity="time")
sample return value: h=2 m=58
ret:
h=8 m=54
